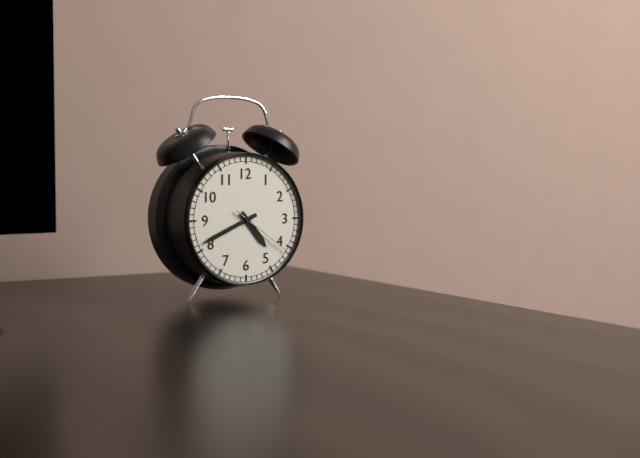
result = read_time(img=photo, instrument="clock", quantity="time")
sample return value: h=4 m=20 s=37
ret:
h=4 m=41 s=21
